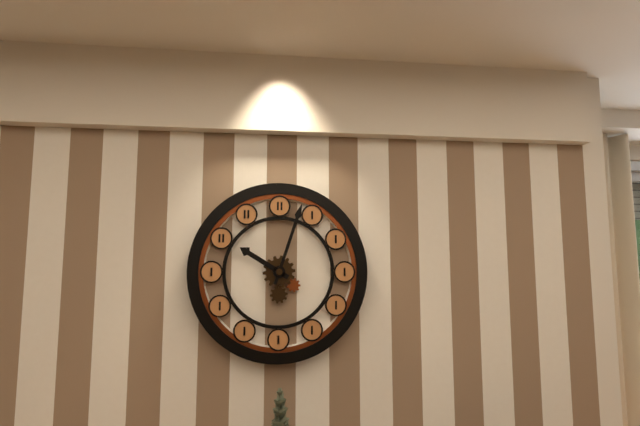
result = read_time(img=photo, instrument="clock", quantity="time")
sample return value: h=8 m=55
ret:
h=10 m=3
